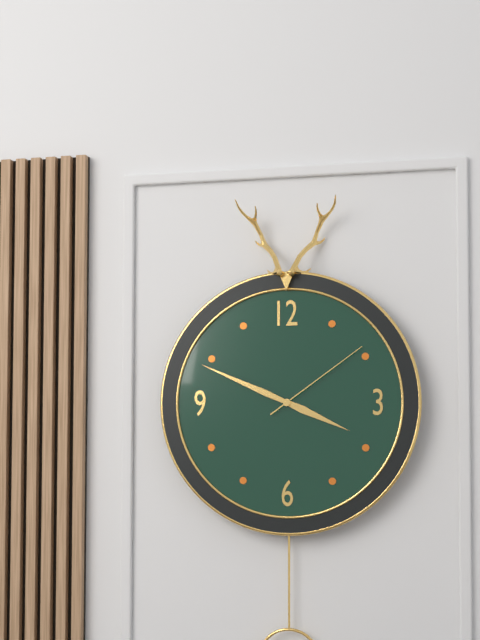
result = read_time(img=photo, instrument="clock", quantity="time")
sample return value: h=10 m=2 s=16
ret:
h=3 m=49 s=9
